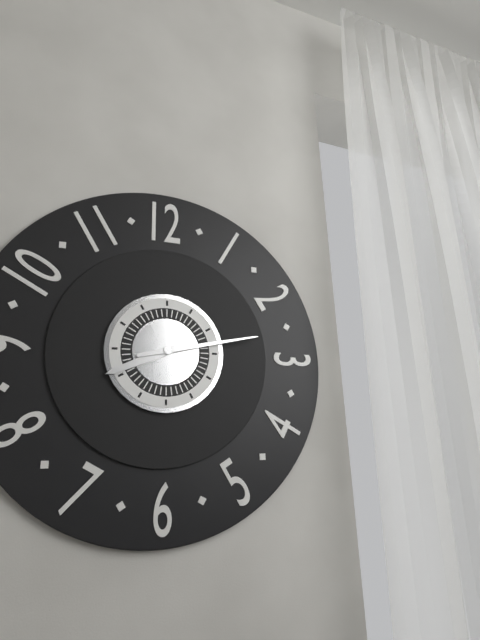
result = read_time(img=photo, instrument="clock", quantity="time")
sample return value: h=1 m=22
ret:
h=8 m=13
